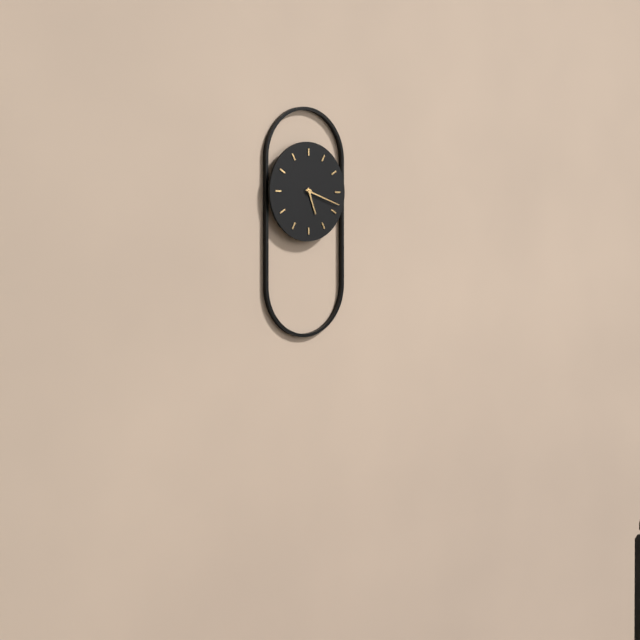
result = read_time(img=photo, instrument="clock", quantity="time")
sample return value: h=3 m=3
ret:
h=5 m=18
